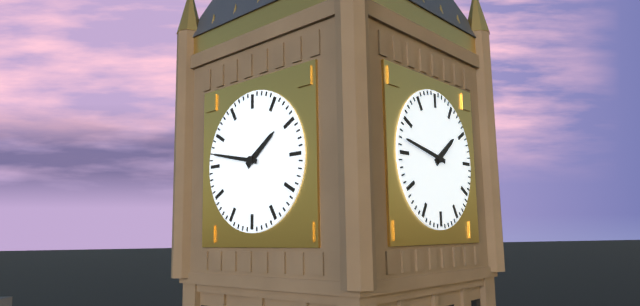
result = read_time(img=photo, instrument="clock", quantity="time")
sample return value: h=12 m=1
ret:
h=1 m=47
